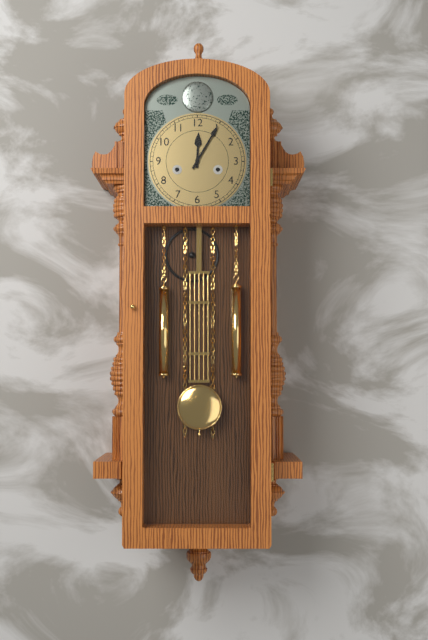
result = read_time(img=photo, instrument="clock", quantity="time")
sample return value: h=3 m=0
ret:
h=12 m=5
